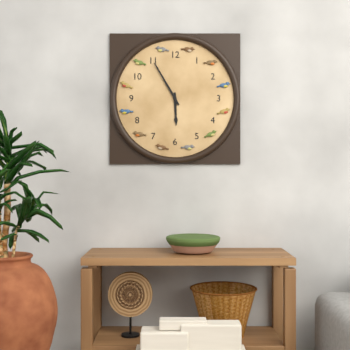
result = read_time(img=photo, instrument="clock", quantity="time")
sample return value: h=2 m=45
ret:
h=5 m=55
